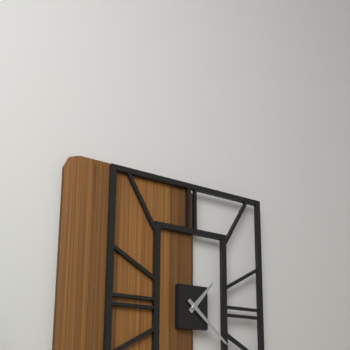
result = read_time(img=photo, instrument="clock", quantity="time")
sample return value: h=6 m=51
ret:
h=1 m=22
